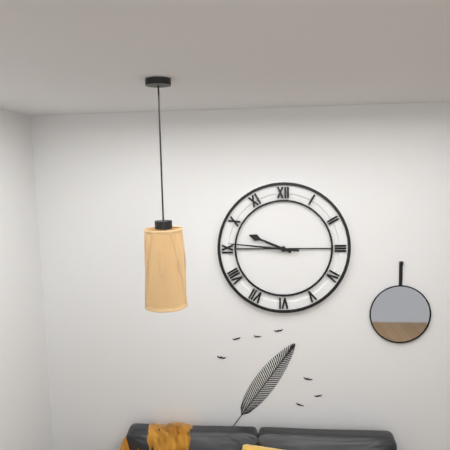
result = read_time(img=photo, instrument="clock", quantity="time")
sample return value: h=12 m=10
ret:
h=9 m=46
